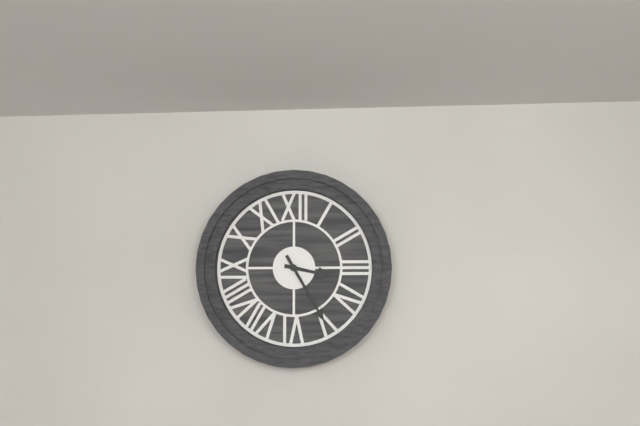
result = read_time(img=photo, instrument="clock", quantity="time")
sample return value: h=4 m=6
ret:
h=3 m=25
